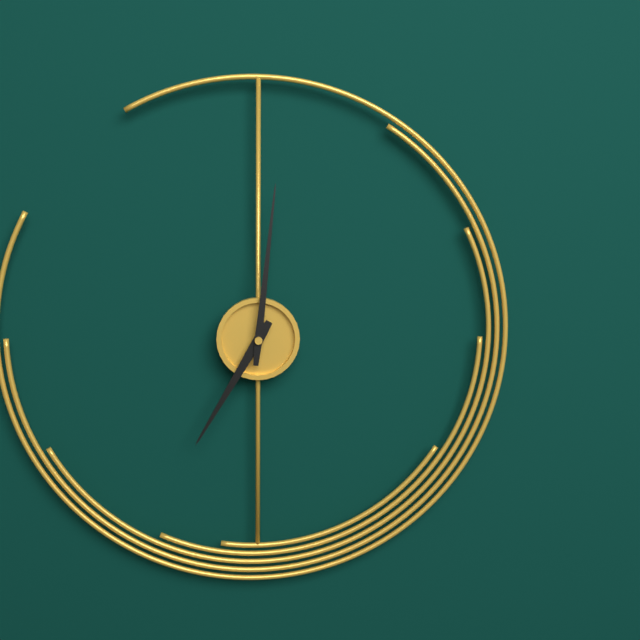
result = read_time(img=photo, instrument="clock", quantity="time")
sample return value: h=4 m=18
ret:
h=7 m=1
